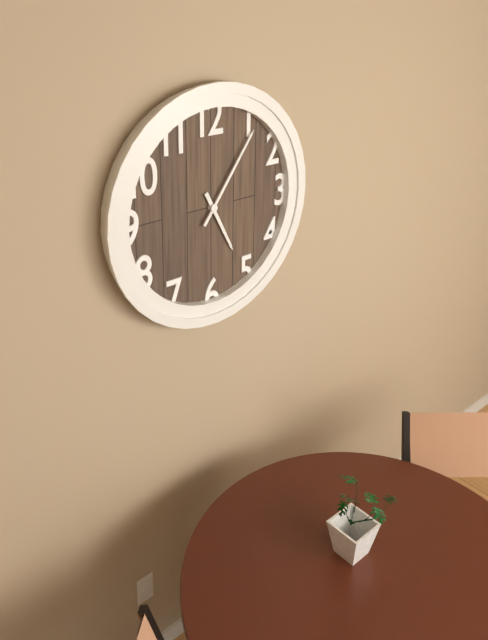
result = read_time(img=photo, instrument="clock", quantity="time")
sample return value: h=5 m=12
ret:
h=5 m=6
